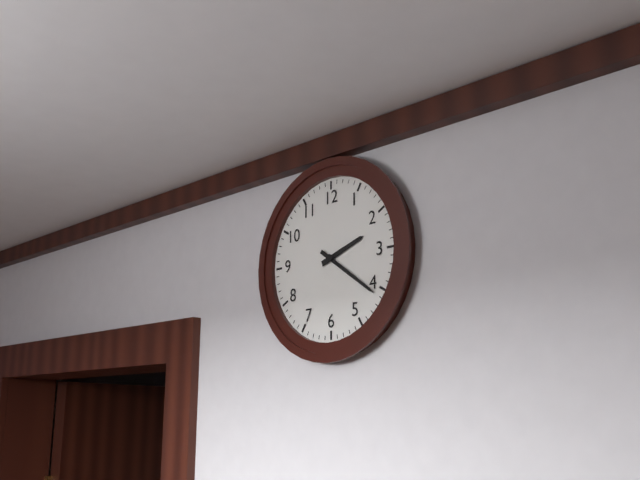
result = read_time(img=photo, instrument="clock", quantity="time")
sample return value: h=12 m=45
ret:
h=2 m=21
